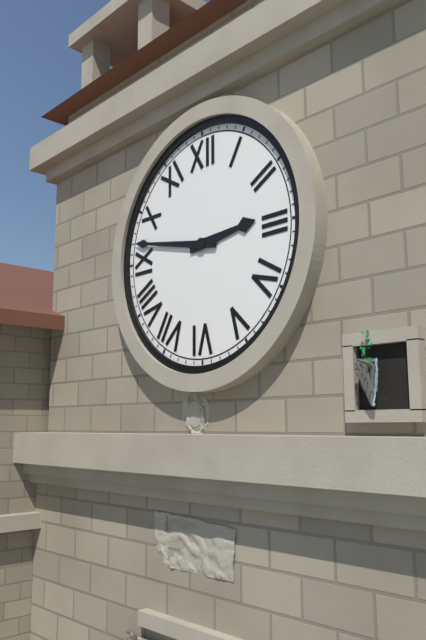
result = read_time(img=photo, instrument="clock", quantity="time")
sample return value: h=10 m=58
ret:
h=2 m=47
